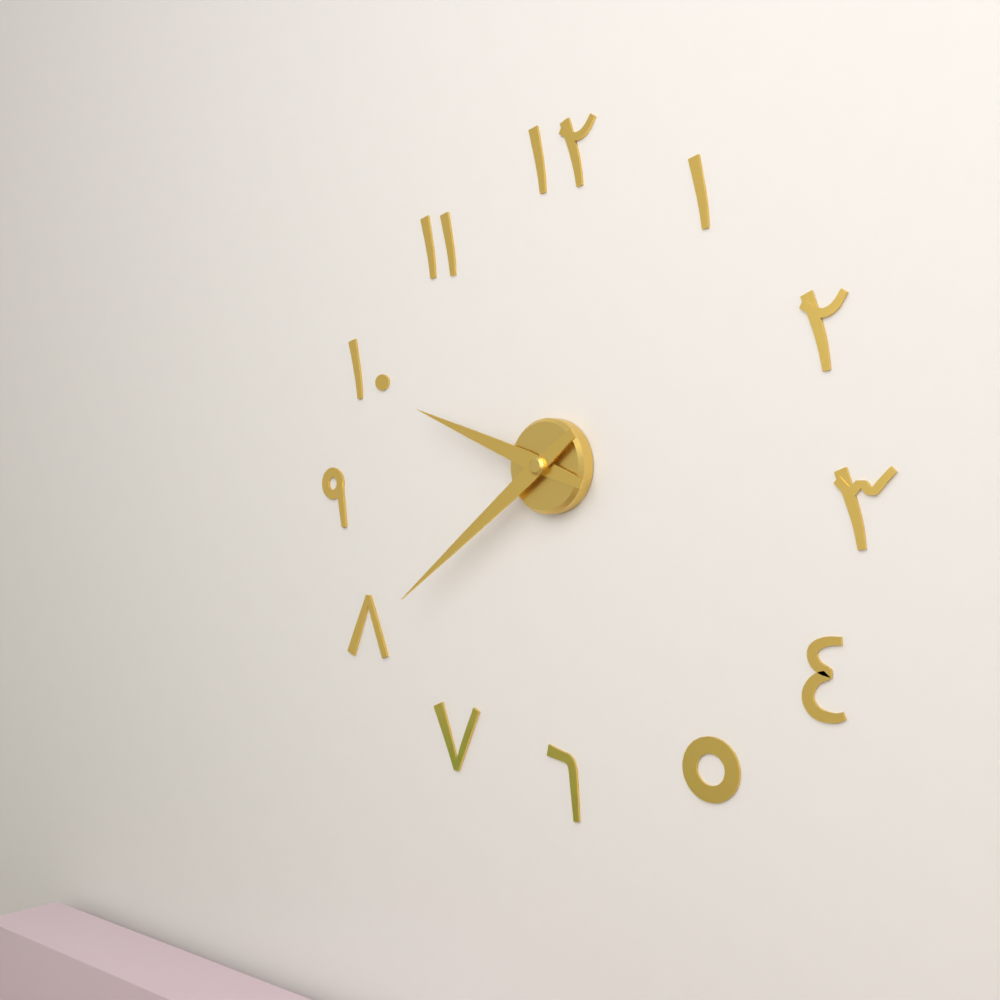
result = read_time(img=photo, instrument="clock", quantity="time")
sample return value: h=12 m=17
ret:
h=9 m=39
